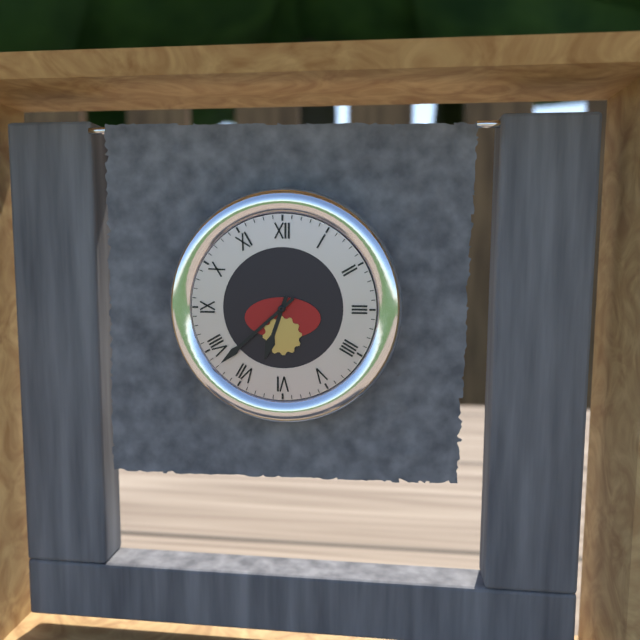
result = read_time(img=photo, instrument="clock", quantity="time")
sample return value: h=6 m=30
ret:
h=6 m=38
